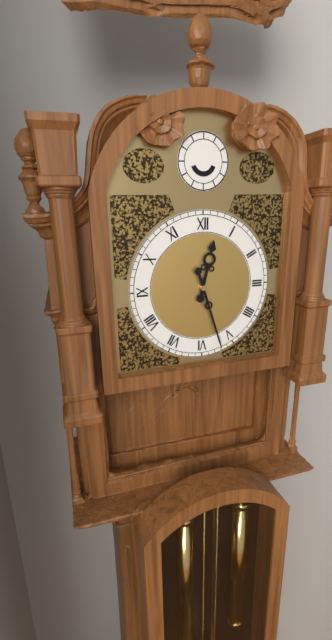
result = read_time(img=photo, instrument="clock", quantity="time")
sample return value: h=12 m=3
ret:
h=12 m=27
